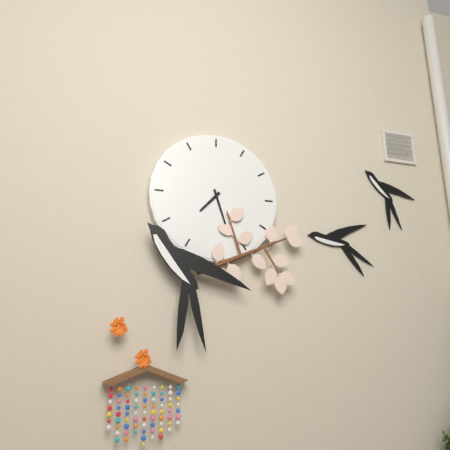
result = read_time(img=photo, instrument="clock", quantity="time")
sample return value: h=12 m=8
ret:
h=7 m=27
